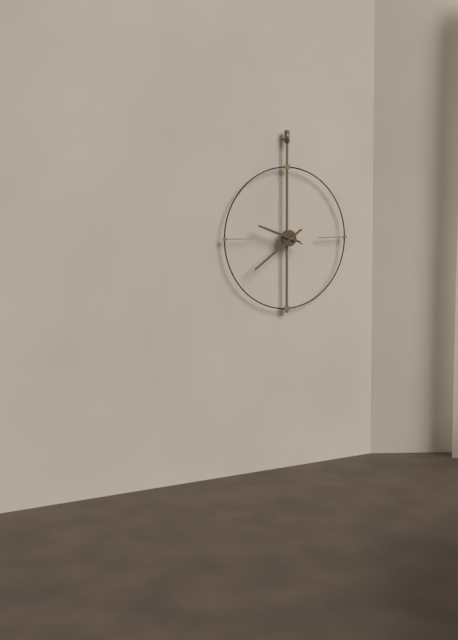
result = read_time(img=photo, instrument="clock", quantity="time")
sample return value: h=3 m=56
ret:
h=9 m=39
